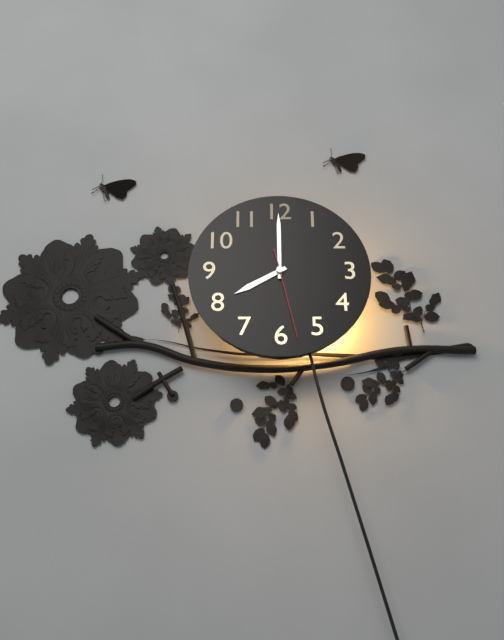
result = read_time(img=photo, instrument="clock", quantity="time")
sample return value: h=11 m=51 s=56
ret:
h=8 m=0 s=28
